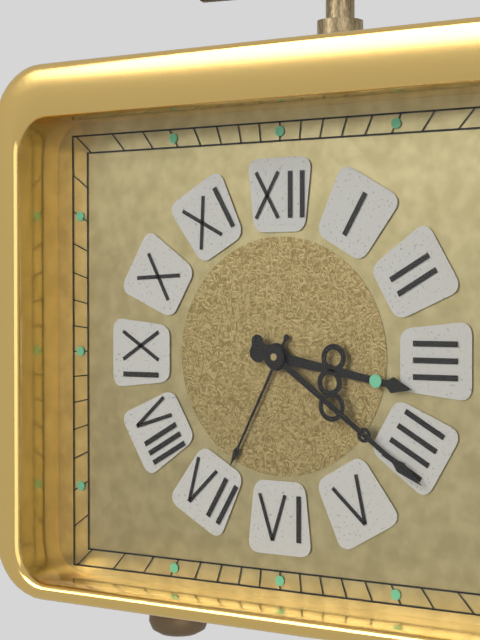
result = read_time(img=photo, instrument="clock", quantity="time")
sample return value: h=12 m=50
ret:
h=3 m=21
